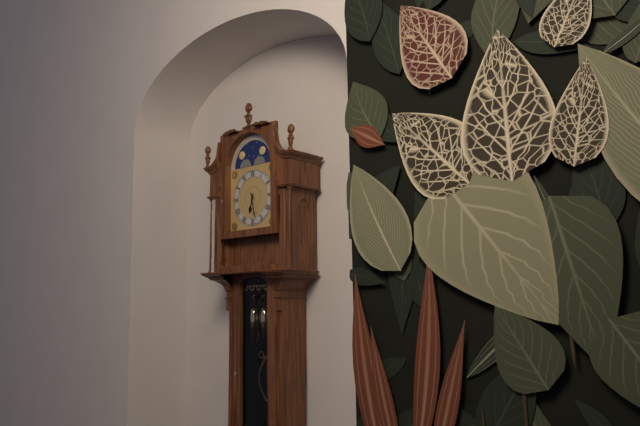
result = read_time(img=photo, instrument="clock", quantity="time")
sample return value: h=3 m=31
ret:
h=6 m=28
